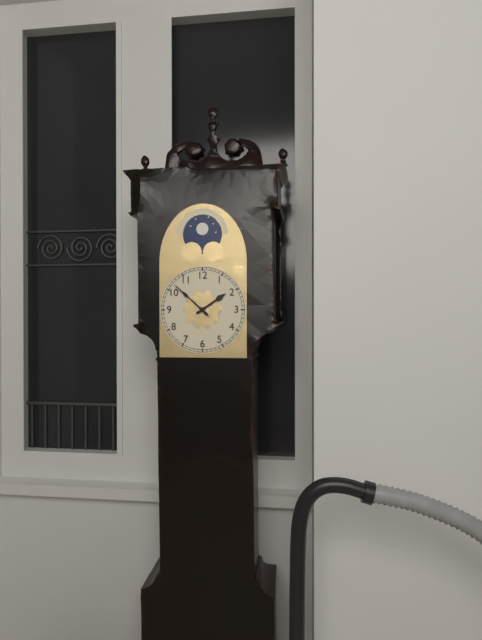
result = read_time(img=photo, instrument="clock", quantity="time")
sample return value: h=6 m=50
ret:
h=1 m=52
